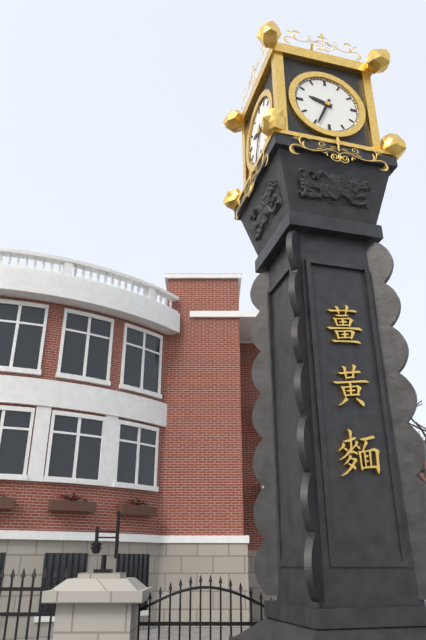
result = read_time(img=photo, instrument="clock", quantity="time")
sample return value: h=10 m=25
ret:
h=9 m=34
